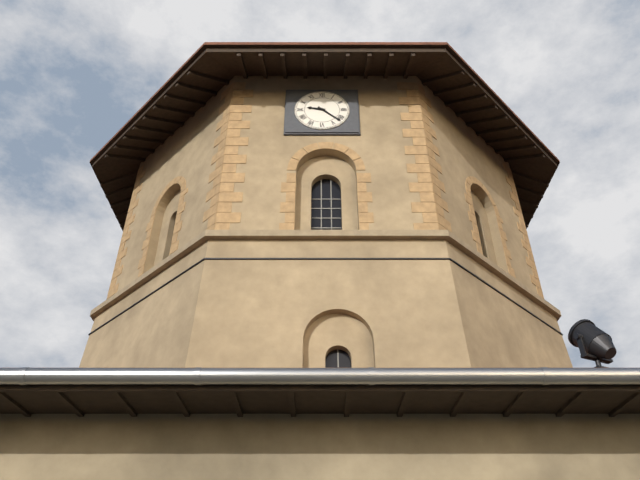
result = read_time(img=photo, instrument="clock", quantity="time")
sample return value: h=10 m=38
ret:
h=9 m=22
